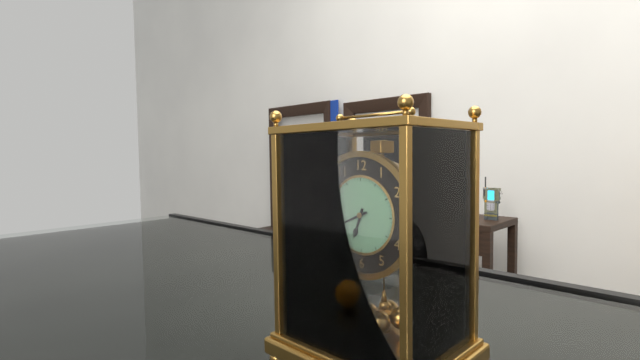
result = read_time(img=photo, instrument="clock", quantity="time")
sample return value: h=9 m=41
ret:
h=6 m=41
